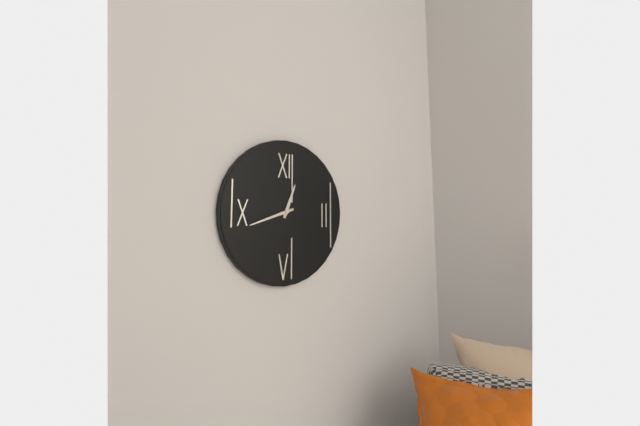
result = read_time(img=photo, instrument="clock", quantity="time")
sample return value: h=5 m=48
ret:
h=12 m=42
